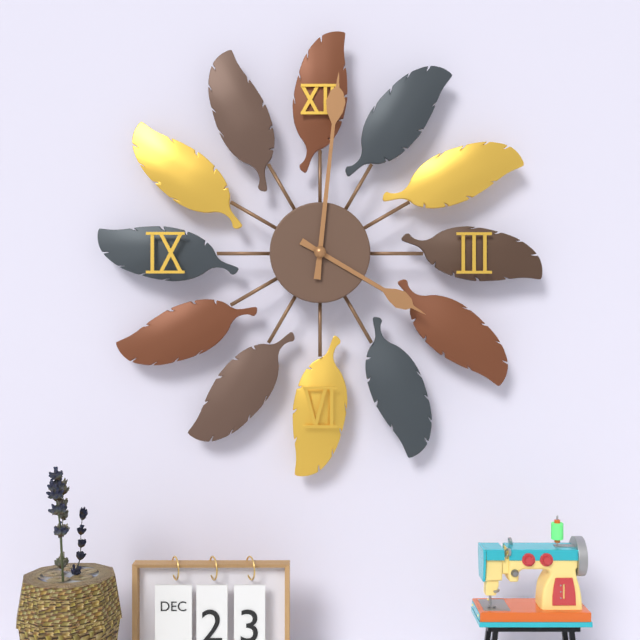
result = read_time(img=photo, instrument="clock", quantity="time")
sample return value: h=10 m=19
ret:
h=4 m=1
